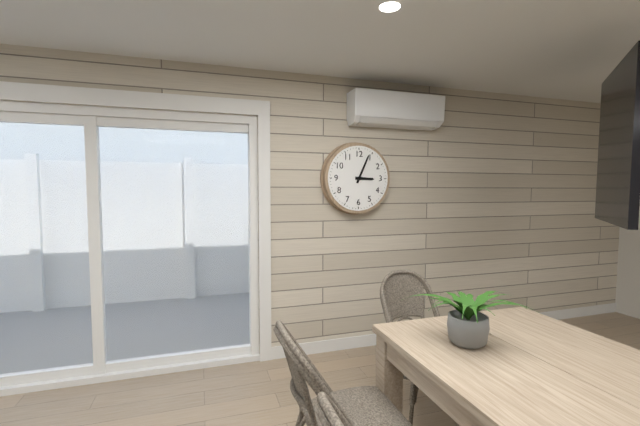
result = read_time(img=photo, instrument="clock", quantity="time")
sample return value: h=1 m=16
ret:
h=3 m=4
